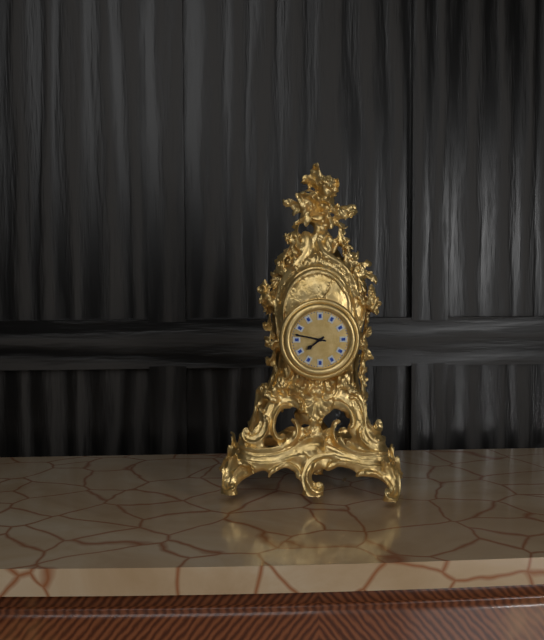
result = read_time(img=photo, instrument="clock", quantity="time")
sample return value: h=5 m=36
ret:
h=7 m=47
